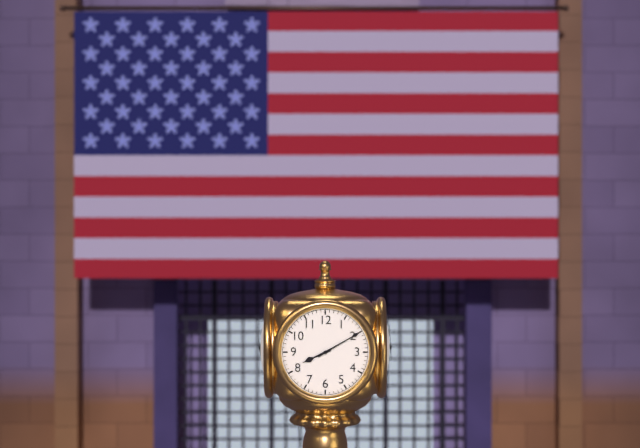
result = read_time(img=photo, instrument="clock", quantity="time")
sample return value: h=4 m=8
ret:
h=8 m=10
